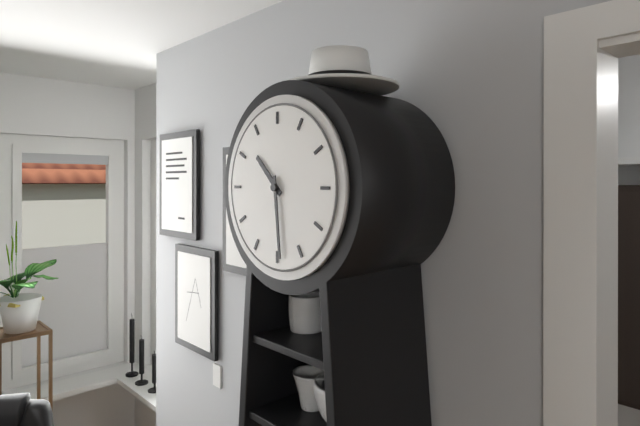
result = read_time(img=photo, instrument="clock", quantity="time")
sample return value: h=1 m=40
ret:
h=10 m=29
